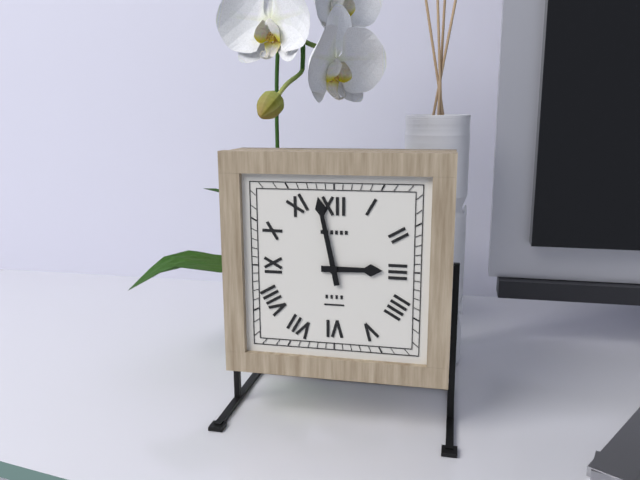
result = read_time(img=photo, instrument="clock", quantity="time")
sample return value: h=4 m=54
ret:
h=2 m=58
